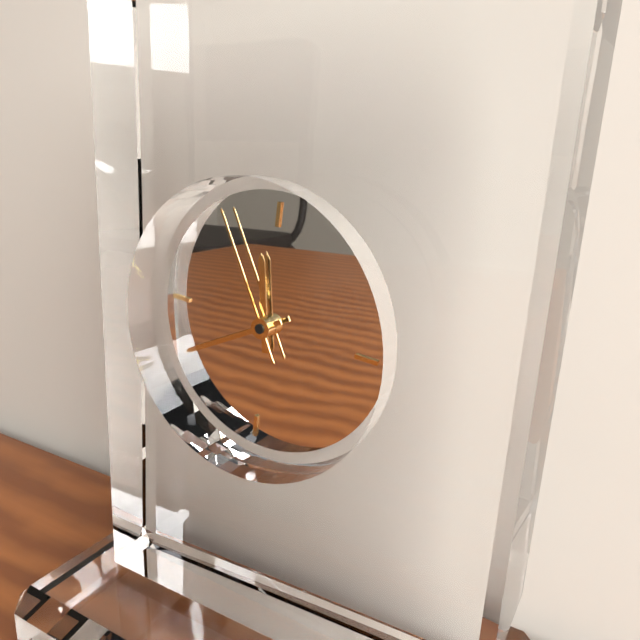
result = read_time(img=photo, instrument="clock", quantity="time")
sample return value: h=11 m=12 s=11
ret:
h=11 m=40 s=55
